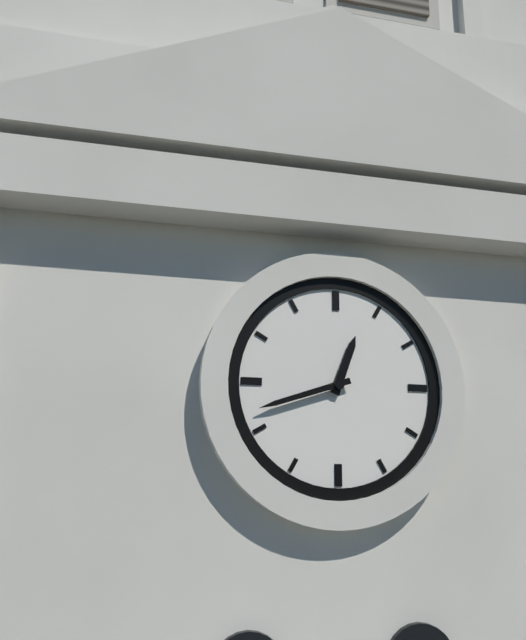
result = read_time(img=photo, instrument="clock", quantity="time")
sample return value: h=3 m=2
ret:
h=12 m=42
